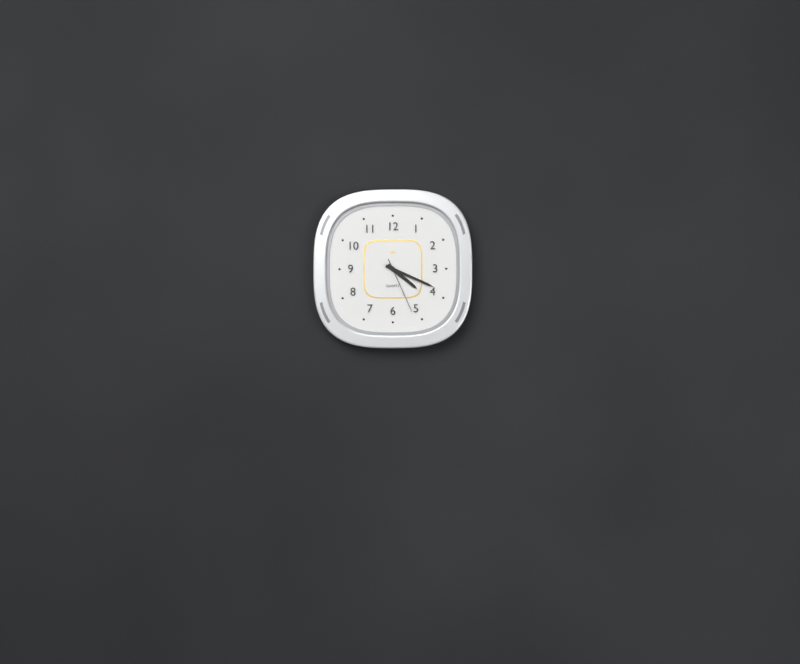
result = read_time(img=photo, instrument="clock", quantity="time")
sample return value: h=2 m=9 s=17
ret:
h=4 m=19 s=26
